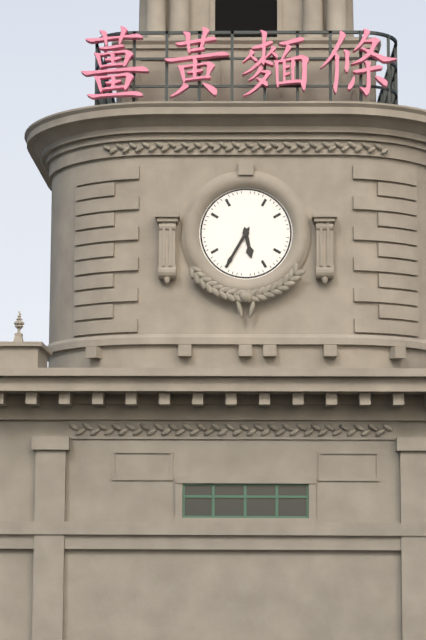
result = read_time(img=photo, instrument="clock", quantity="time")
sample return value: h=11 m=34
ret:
h=5 m=35
